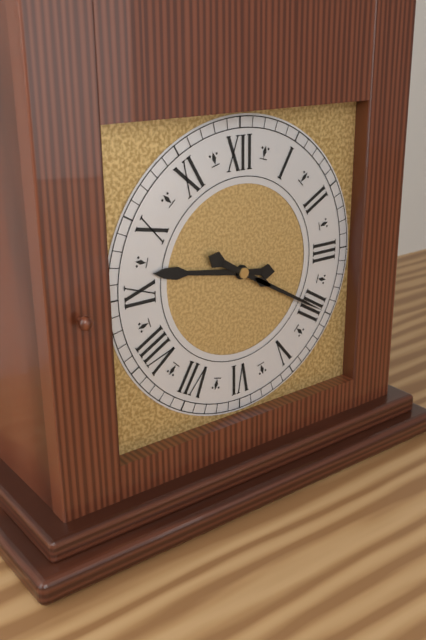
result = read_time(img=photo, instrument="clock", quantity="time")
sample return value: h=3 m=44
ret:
h=9 m=20
